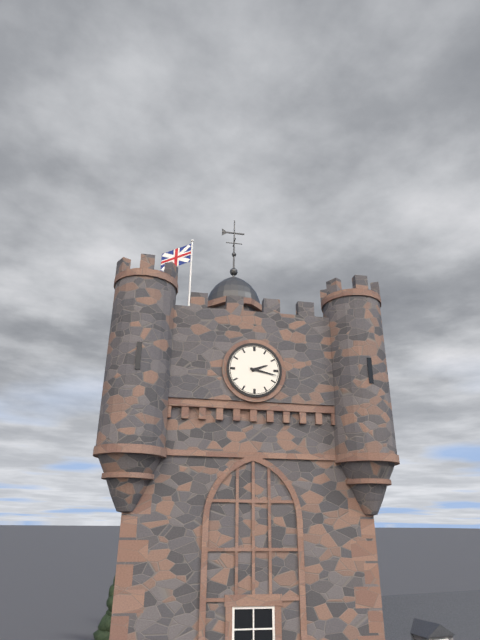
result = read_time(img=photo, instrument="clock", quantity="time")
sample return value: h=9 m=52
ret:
h=2 m=17
